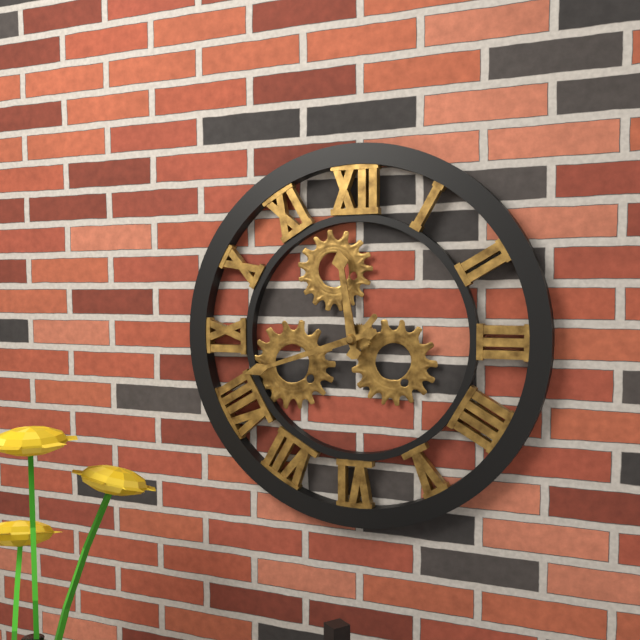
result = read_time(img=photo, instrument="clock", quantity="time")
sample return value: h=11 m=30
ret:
h=11 m=42
